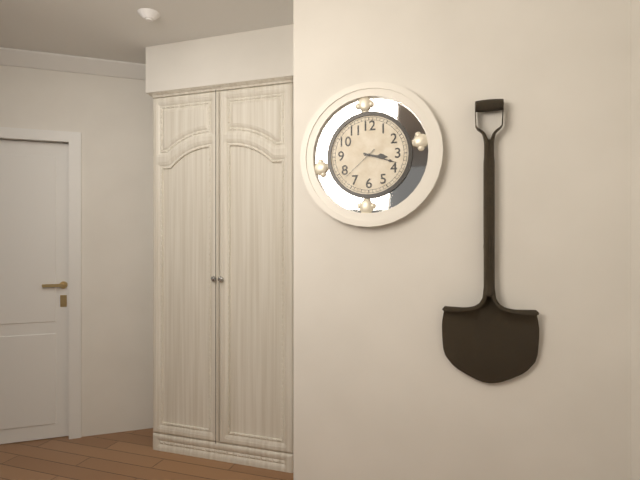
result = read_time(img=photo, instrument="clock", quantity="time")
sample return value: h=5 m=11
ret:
h=3 m=18
